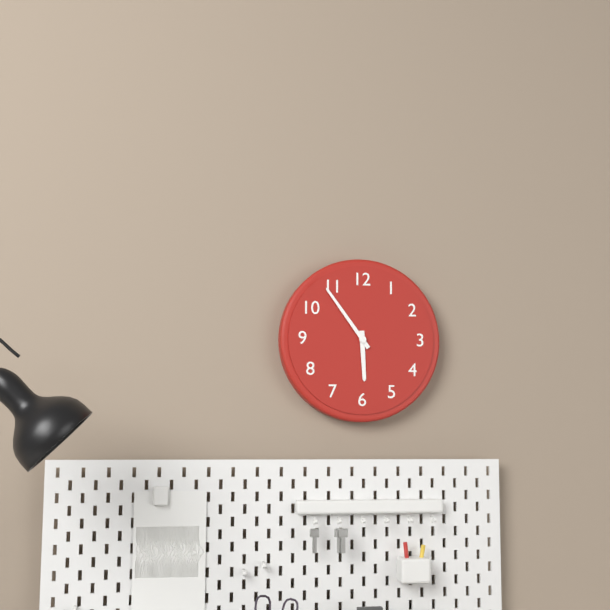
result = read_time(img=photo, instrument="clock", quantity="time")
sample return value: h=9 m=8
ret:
h=5 m=54
